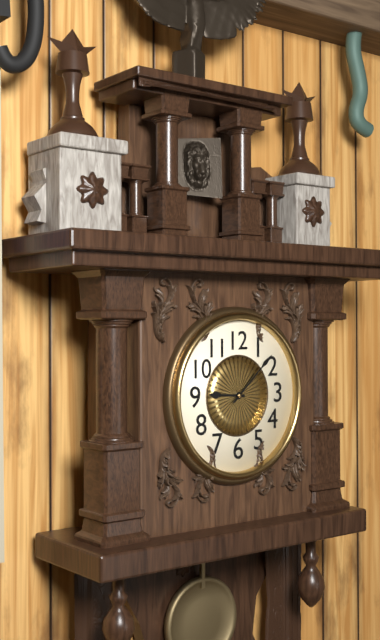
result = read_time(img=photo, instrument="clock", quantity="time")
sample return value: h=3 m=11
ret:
h=9 m=8
